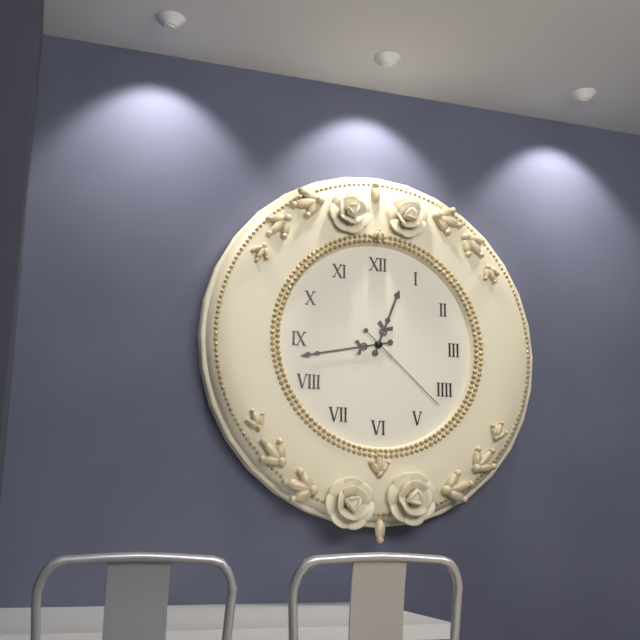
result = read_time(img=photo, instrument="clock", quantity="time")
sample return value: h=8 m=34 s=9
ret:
h=12 m=43 s=22
